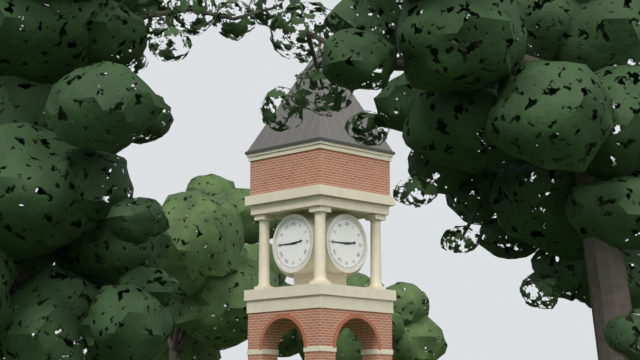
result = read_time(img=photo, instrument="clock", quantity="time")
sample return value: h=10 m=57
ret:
h=2 m=45
